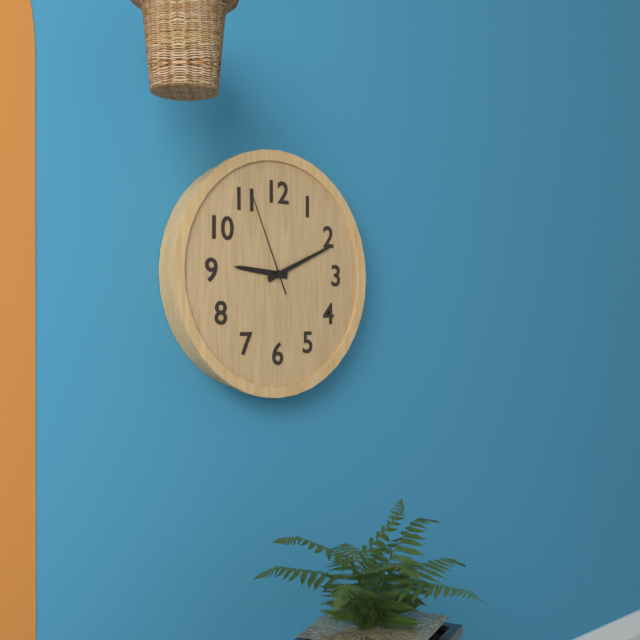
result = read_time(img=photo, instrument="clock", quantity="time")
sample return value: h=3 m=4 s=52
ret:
h=9 m=11 s=56
